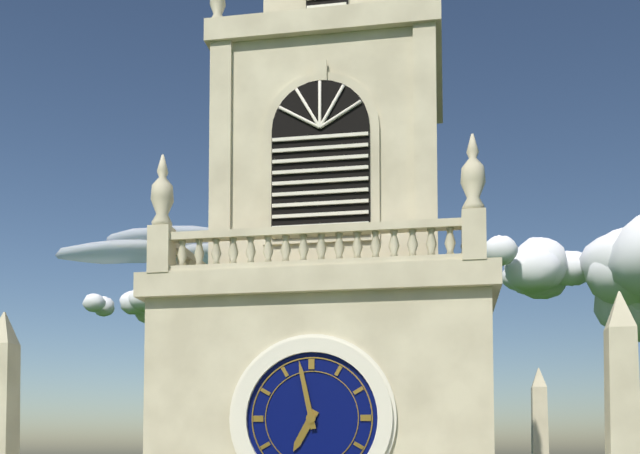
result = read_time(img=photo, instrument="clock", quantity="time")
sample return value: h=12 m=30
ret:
h=6 m=58
